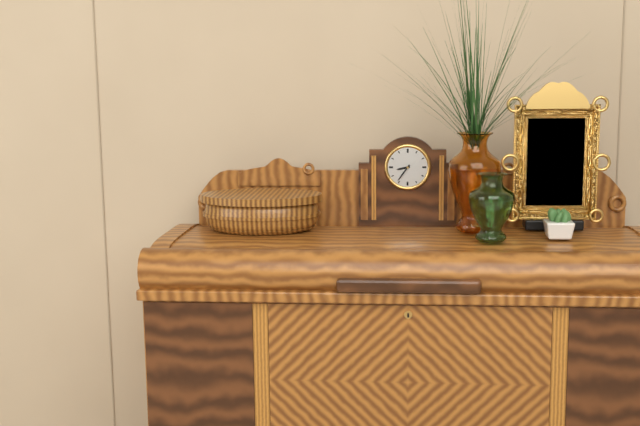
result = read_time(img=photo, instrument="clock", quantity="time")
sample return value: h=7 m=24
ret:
h=8 m=36
